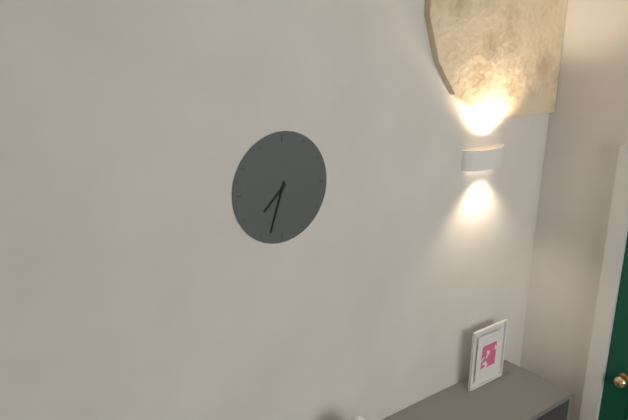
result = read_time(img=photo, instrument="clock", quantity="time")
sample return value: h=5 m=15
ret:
h=7 m=33
